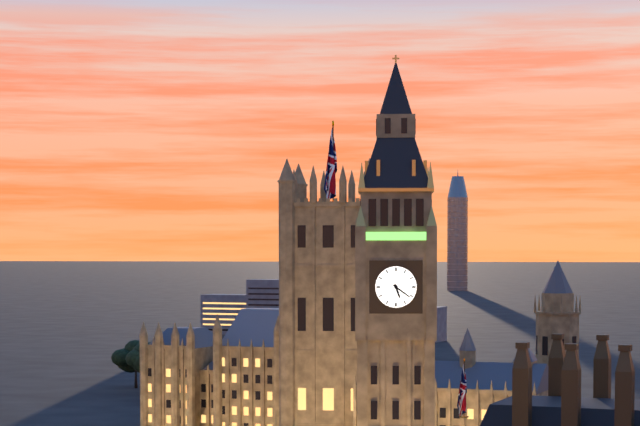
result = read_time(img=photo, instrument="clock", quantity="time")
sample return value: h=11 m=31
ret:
h=5 m=21
